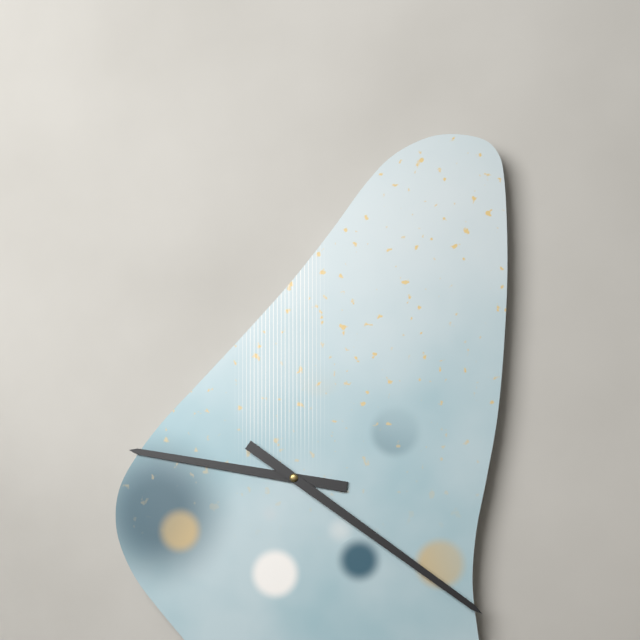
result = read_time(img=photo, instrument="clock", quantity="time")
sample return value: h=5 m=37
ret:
h=9 m=21
